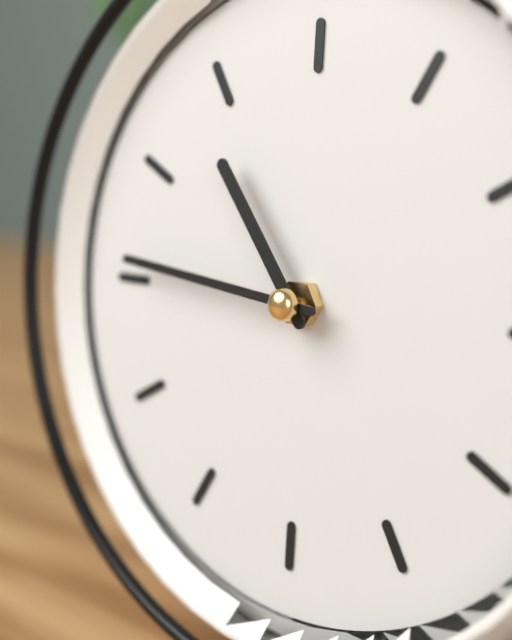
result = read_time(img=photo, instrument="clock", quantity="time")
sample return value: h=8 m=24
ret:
h=10 m=46
